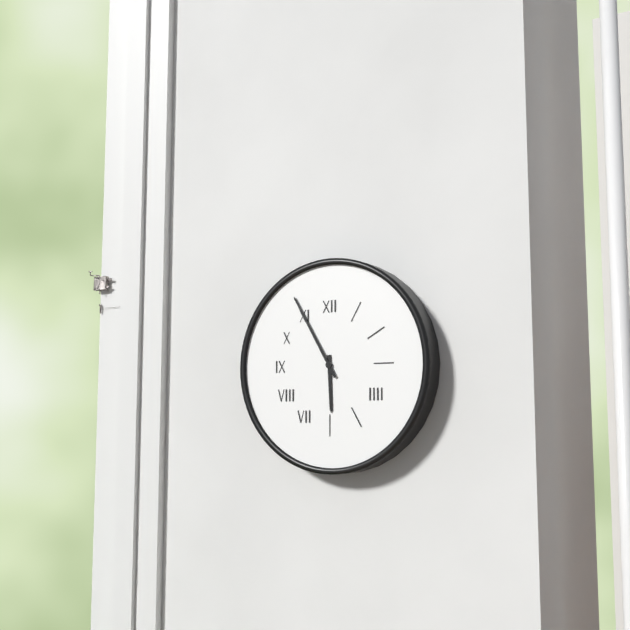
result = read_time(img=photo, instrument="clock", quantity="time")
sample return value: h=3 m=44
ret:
h=5 m=55
